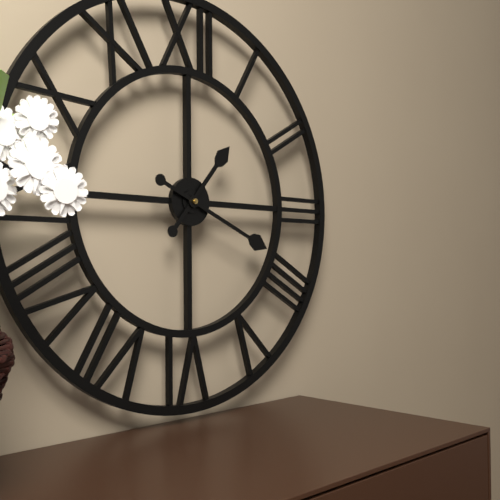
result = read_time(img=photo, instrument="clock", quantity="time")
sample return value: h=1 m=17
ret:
h=1 m=19
